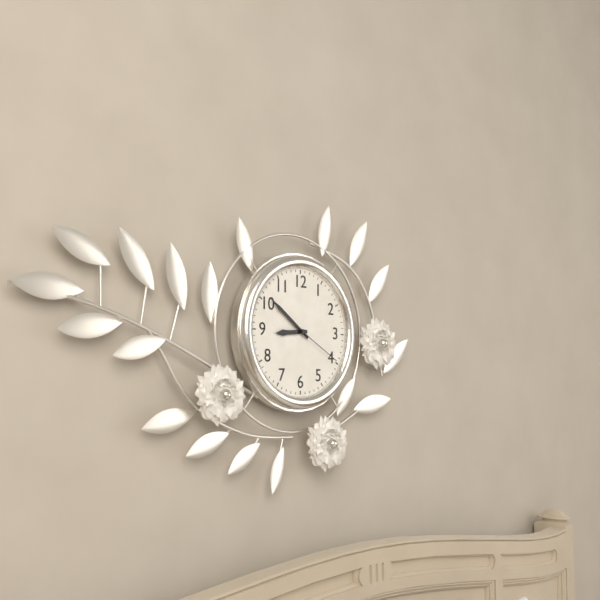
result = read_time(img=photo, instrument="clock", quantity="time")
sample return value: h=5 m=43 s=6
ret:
h=8 m=51 s=20
